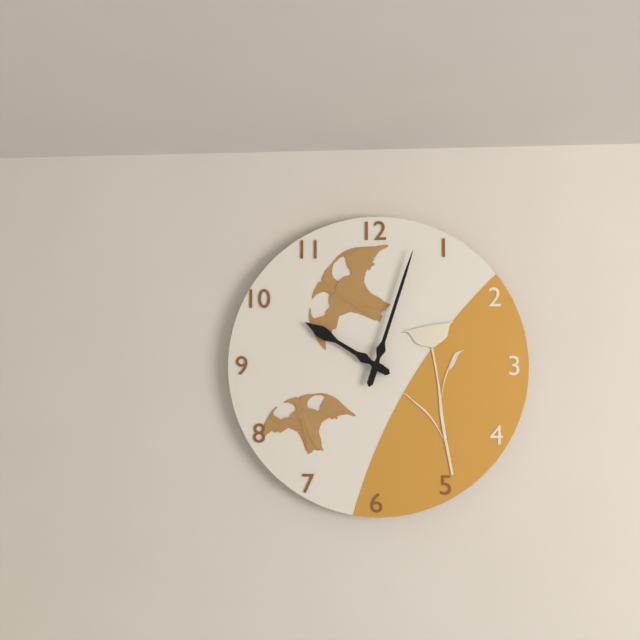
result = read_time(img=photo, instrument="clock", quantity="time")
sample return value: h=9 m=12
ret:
h=10 m=3
